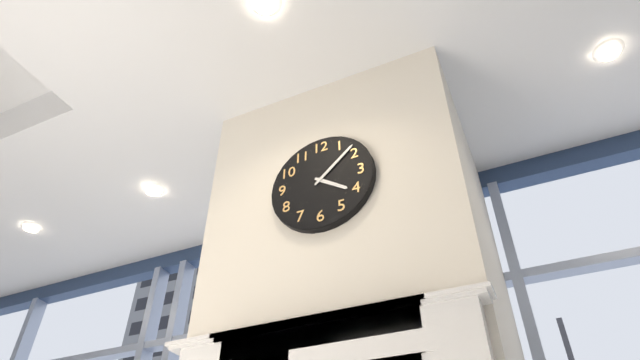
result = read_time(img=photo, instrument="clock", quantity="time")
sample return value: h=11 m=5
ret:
h=4 m=8
